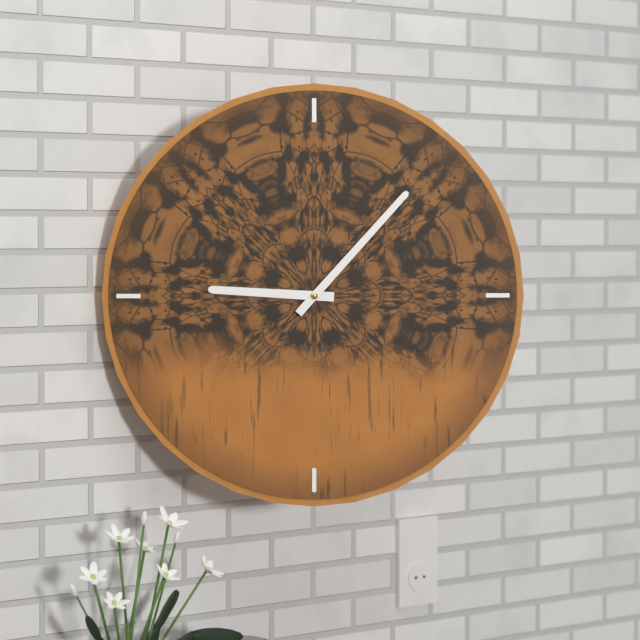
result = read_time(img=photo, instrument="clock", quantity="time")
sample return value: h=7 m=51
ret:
h=9 m=7
